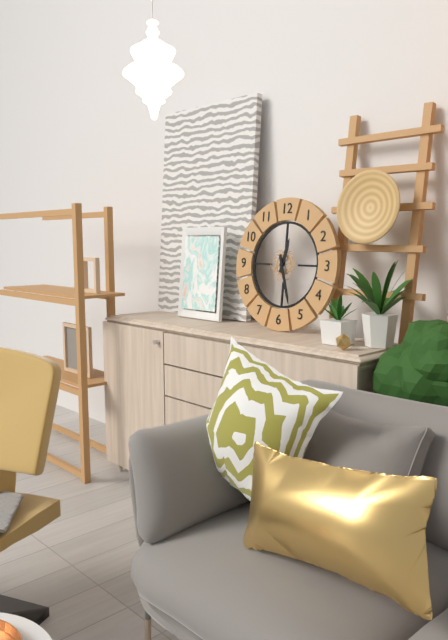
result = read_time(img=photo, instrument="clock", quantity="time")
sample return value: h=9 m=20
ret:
h=12 m=27
